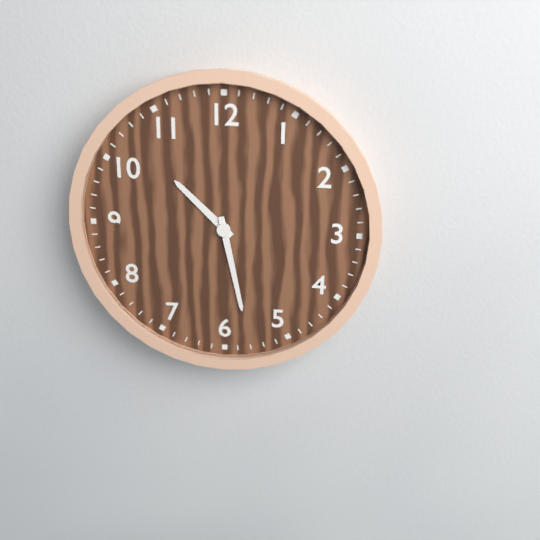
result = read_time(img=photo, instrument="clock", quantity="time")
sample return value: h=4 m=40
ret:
h=10 m=28
